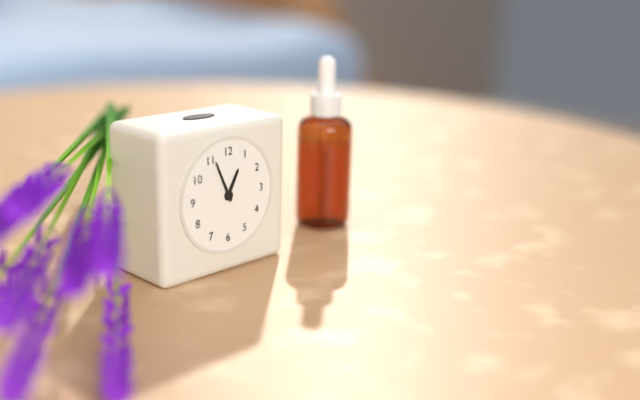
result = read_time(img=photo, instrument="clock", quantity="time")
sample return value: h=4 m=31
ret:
h=12 m=56
